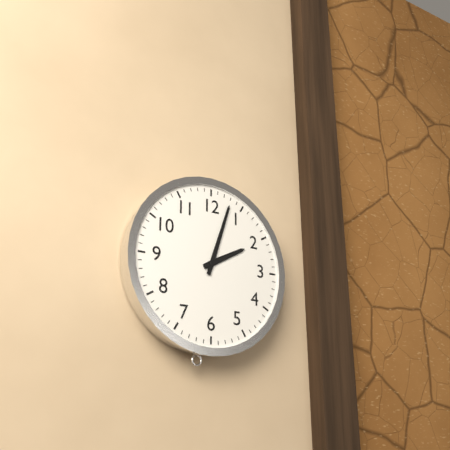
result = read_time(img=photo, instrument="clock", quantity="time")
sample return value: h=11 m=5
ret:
h=2 m=3
